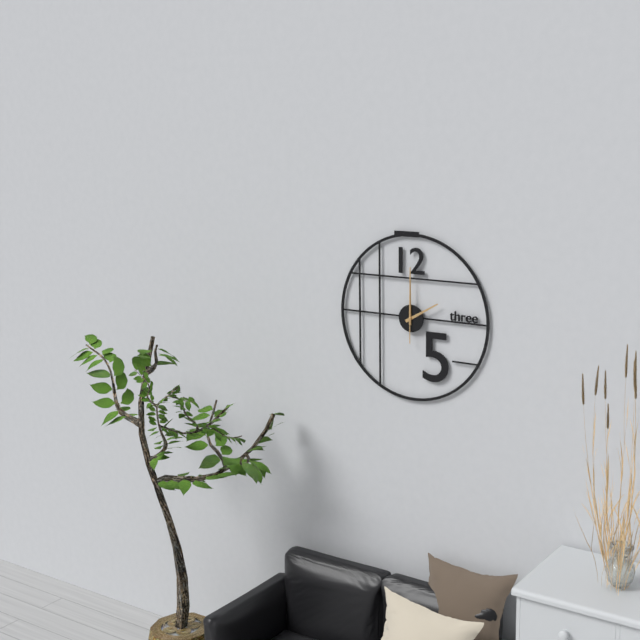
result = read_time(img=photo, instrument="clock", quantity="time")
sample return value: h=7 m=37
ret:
h=2 m=0
